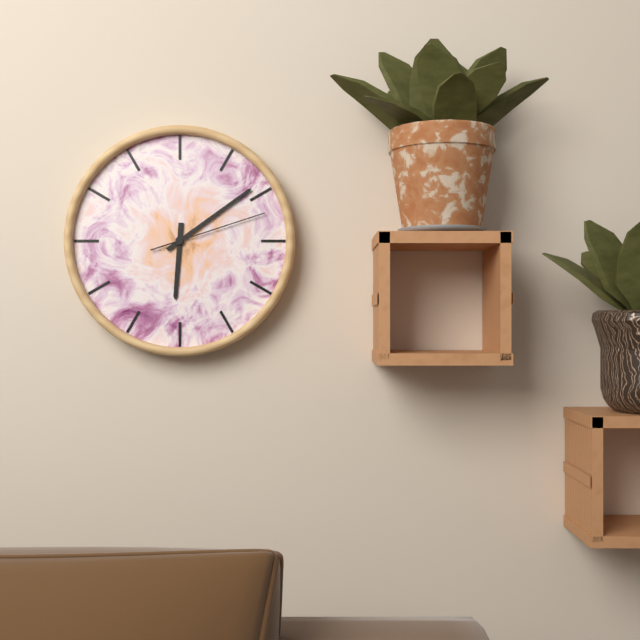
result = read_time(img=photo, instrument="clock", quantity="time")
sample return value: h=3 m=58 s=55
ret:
h=6 m=9 s=12
